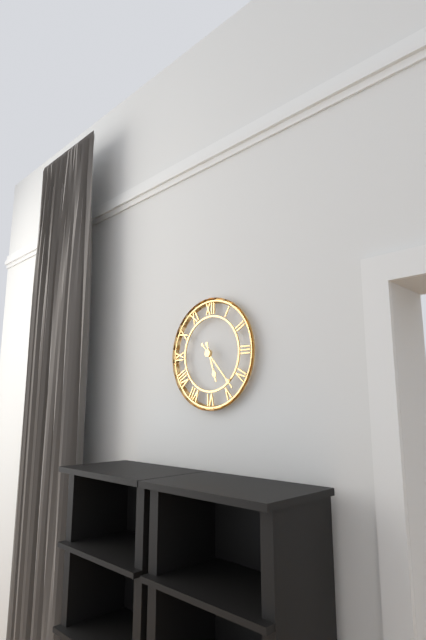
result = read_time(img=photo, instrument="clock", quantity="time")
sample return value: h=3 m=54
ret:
h=5 m=23
